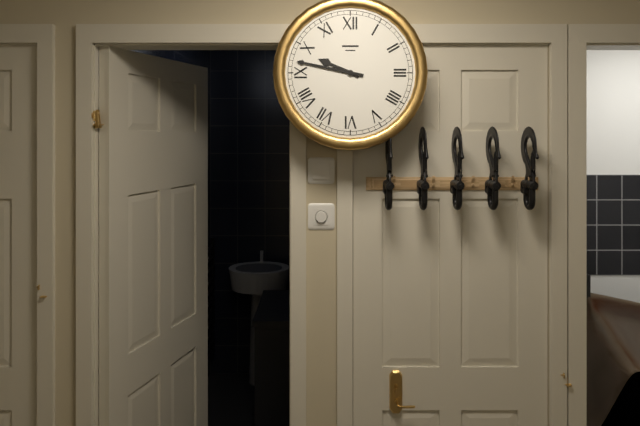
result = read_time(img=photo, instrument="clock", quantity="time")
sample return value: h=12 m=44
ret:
h=9 m=47
